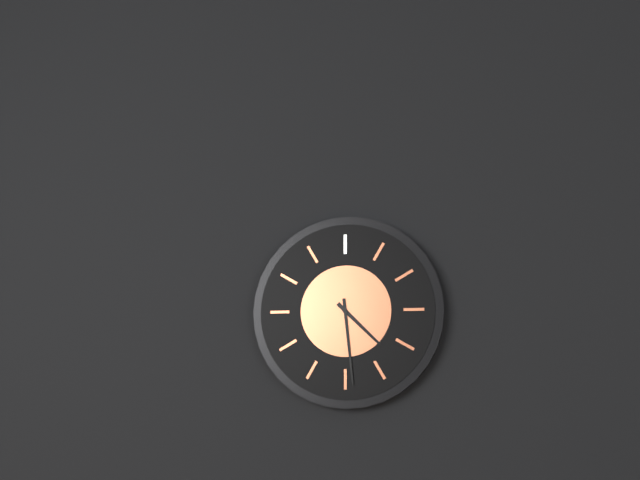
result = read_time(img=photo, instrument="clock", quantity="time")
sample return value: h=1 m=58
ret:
h=4 m=29
